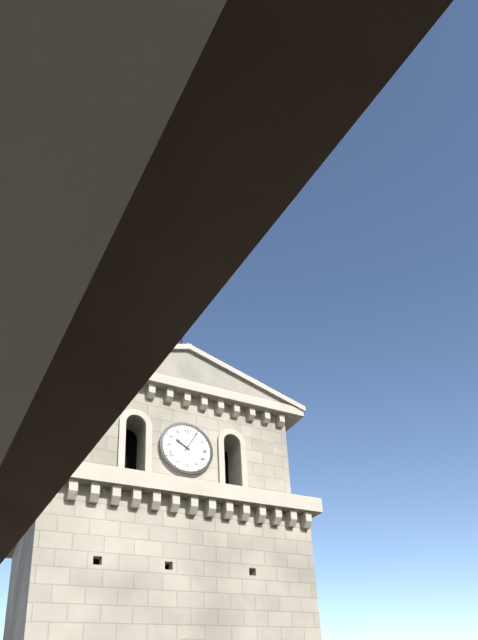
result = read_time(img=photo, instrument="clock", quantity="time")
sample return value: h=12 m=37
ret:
h=10 m=5
